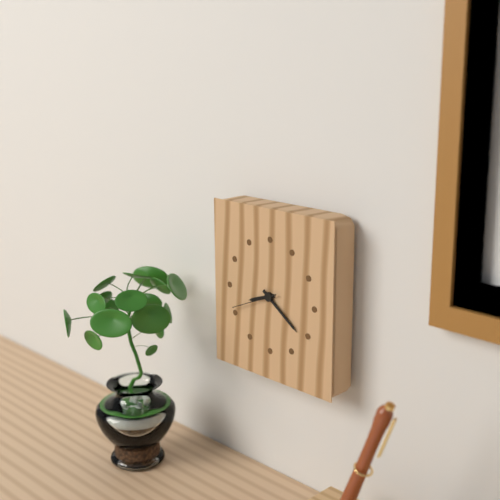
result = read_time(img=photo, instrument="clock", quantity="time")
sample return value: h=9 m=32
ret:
h=8 m=21
